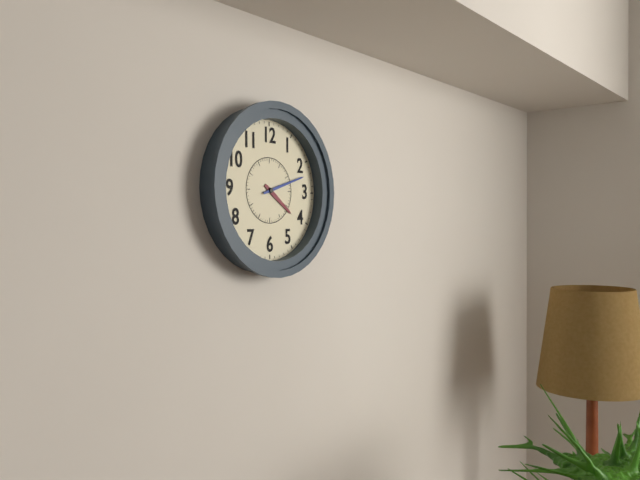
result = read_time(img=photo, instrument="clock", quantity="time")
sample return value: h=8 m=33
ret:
h=4 m=12
